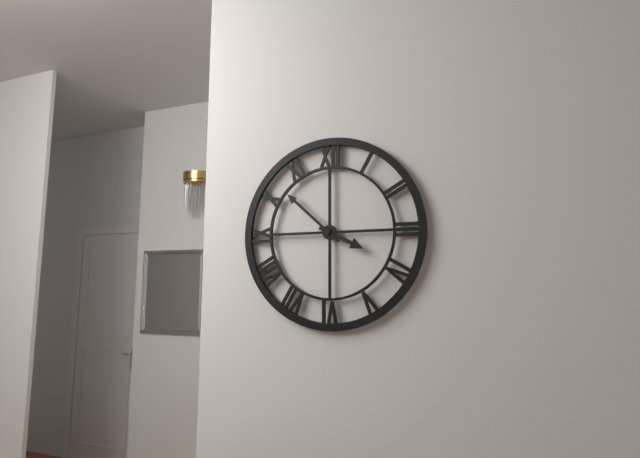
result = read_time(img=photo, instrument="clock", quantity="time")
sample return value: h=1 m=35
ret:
h=3 m=52
